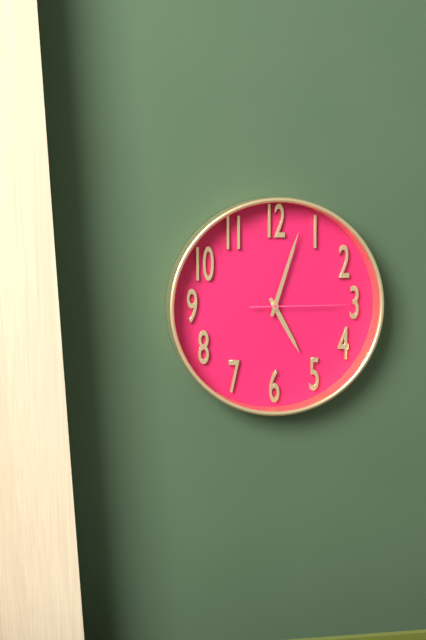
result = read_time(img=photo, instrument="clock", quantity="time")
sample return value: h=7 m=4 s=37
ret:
h=5 m=3 s=15
